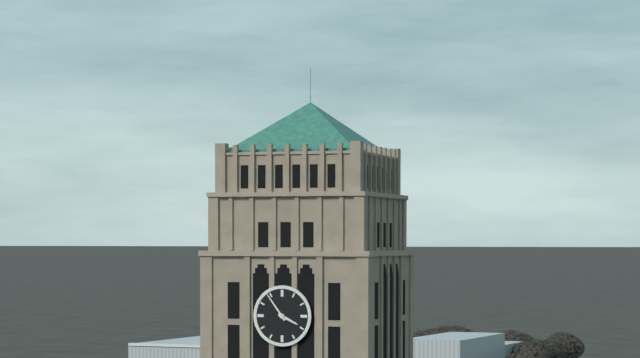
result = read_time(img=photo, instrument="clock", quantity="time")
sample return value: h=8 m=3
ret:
h=3 m=54
